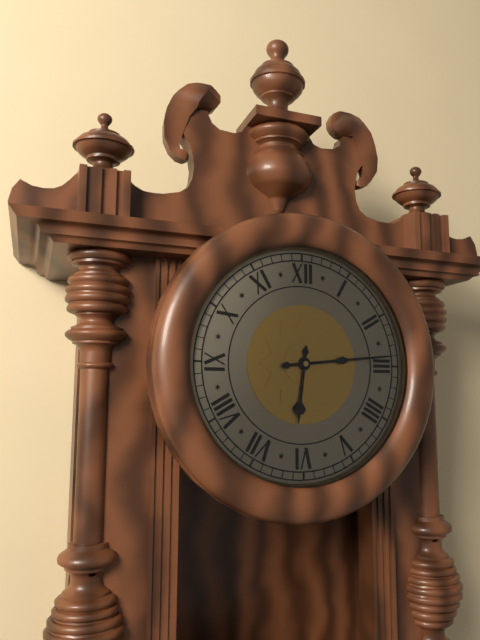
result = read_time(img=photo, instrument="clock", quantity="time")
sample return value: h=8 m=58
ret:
h=6 m=14
